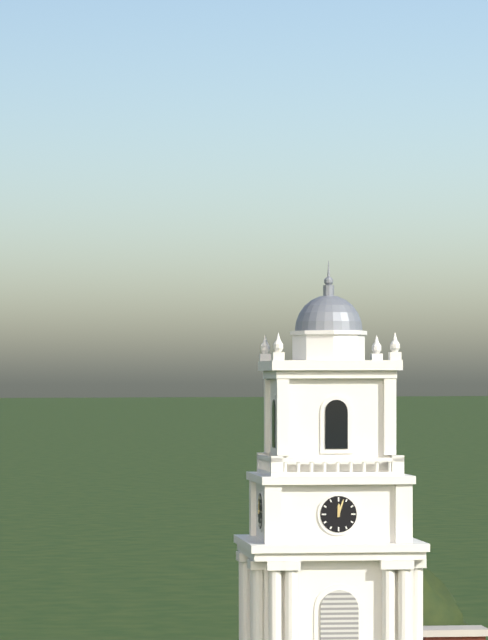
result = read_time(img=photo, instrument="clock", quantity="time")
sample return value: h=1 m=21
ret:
h=12 m=3
